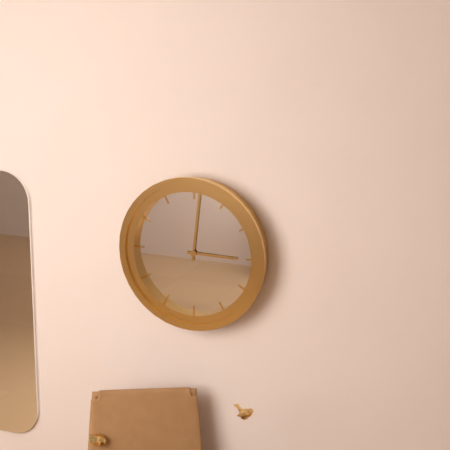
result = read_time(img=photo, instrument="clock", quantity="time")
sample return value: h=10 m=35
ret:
h=3 m=1
